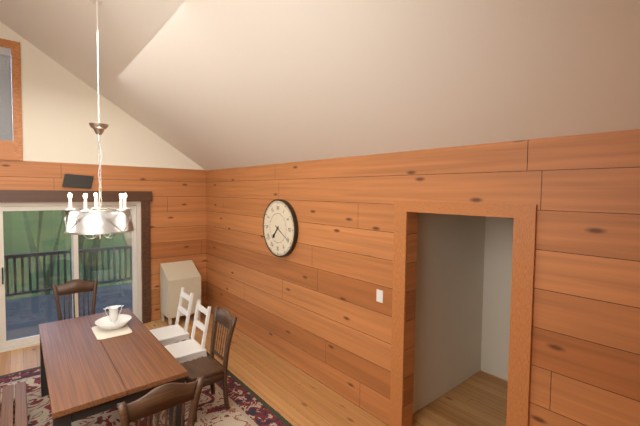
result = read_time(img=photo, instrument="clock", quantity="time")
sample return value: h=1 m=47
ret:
h=7 m=20
